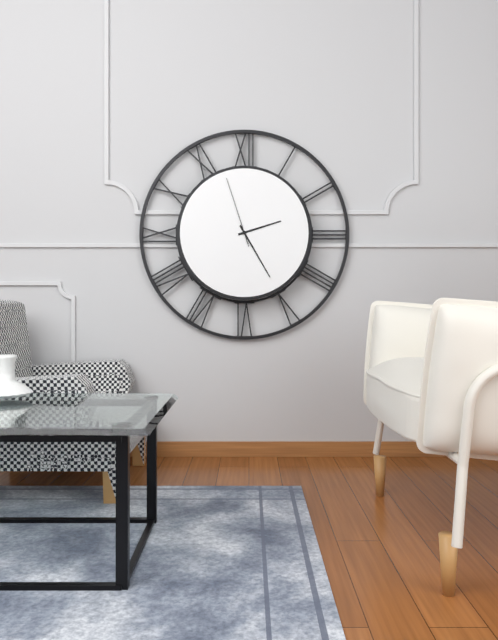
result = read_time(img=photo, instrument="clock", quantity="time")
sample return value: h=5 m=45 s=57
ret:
h=2 m=25 s=57
